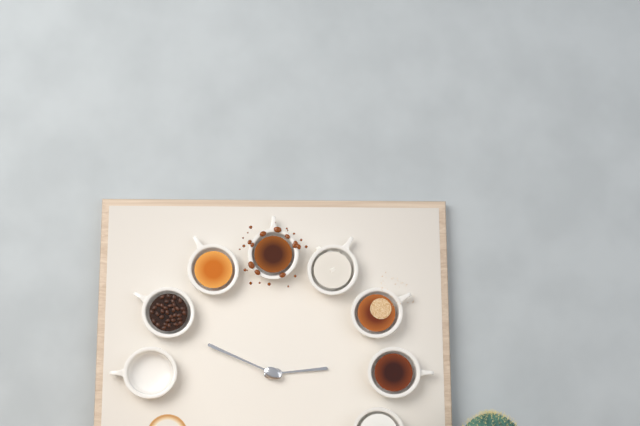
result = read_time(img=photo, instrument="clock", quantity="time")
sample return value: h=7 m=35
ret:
h=2 m=49
